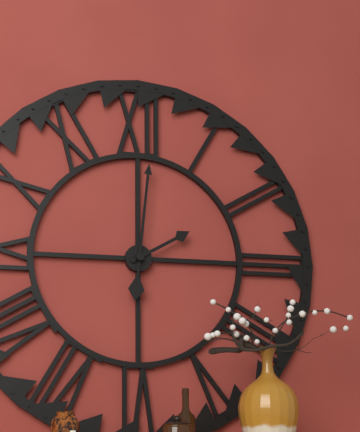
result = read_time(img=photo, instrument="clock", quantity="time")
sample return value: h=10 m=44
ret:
h=2 m=1
